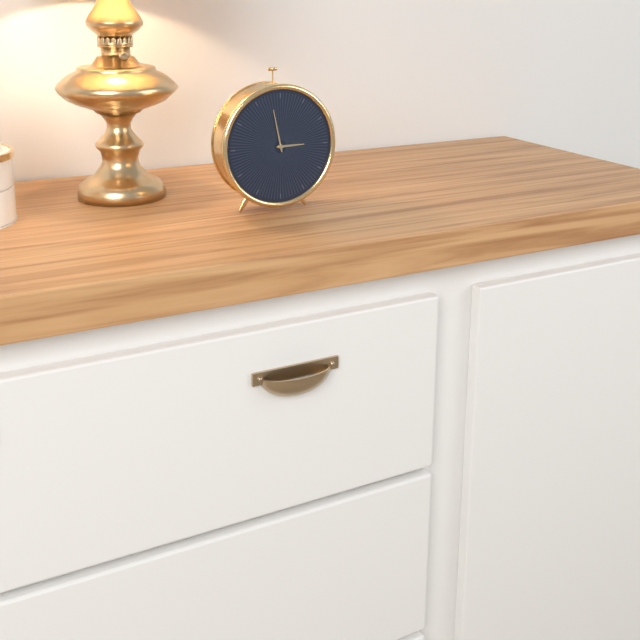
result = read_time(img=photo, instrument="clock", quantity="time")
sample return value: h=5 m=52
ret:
h=2 m=58
